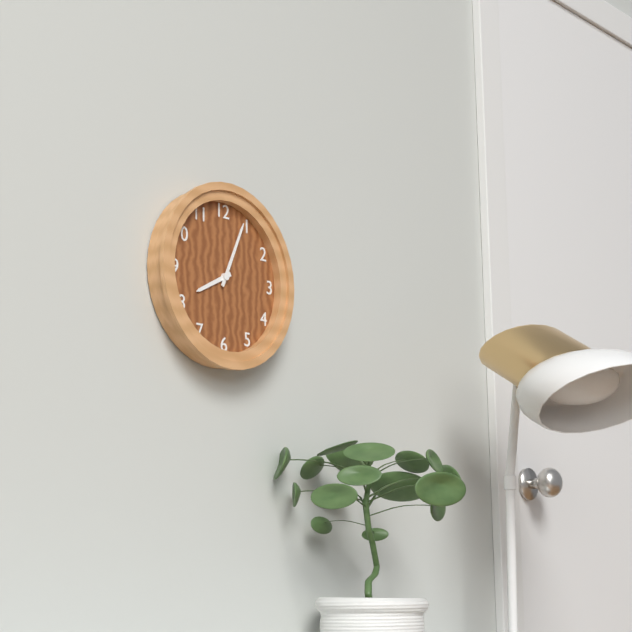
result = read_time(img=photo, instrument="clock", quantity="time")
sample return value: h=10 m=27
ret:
h=8 m=4
